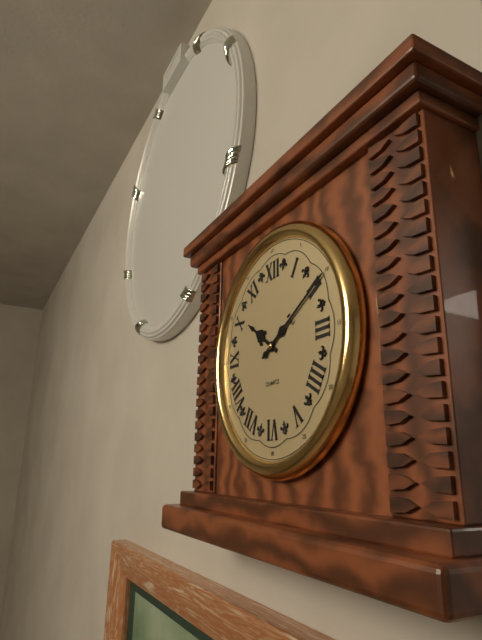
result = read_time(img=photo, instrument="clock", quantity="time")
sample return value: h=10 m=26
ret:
h=10 m=10
